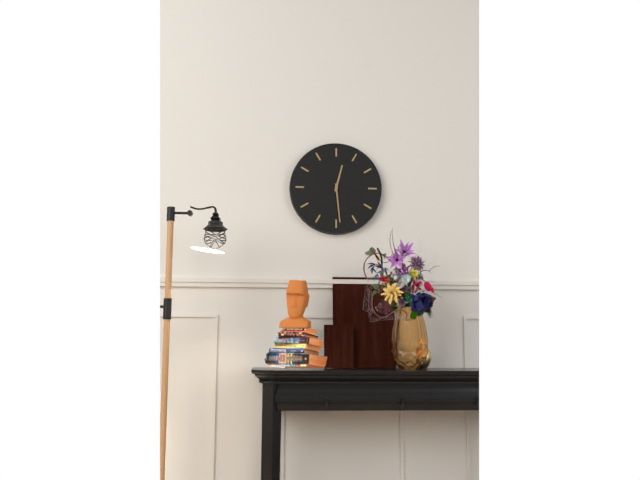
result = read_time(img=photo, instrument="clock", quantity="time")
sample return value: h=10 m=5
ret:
h=12 m=29
